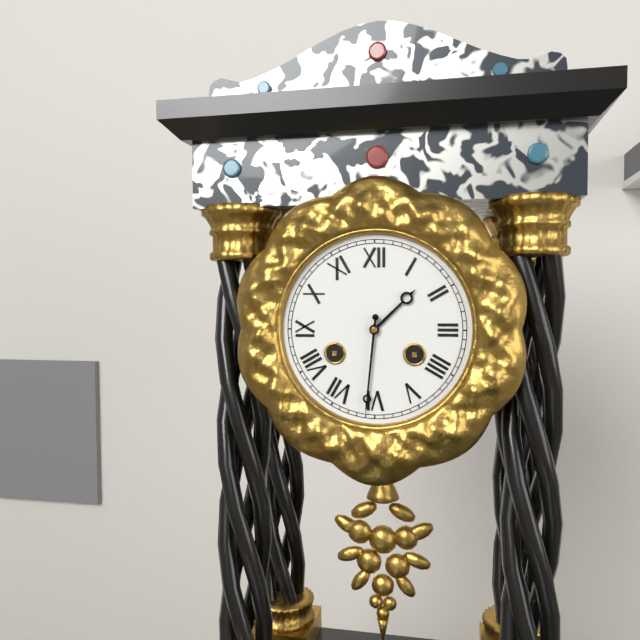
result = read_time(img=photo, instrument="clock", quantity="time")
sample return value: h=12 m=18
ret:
h=1 m=31
